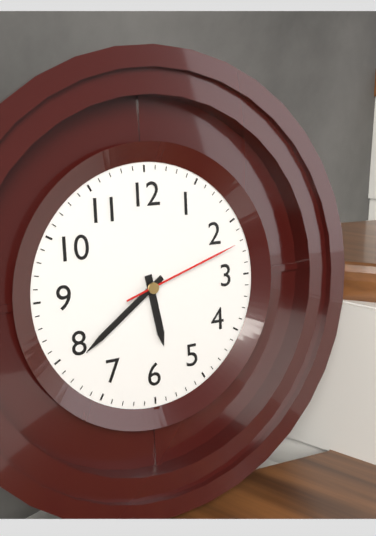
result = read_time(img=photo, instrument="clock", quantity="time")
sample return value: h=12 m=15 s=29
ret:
h=5 m=39 s=12
